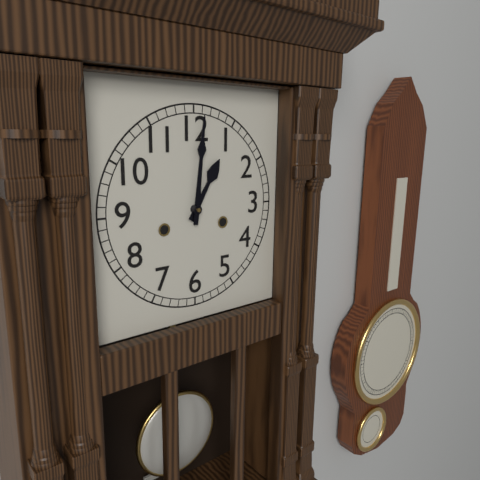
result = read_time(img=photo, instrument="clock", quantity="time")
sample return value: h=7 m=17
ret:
h=1 m=1
